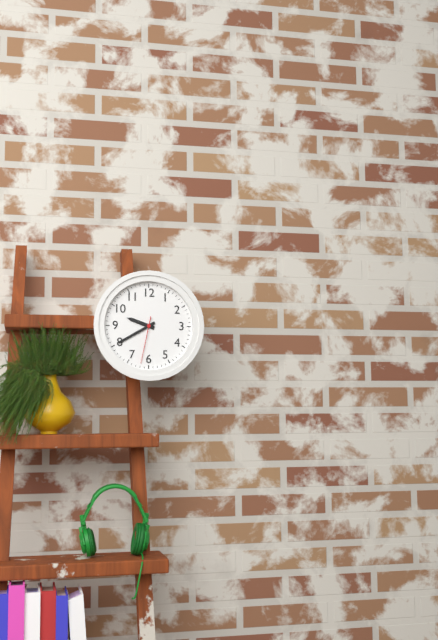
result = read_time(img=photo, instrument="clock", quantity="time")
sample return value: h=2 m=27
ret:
h=9 m=40
